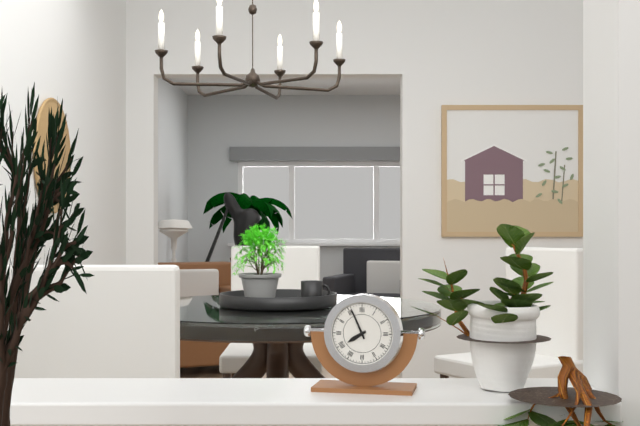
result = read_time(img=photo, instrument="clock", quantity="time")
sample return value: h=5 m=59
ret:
h=7 m=56
